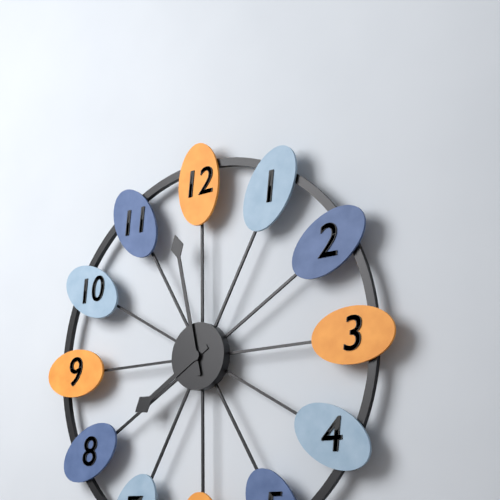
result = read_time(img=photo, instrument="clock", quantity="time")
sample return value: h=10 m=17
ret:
h=7 m=58
